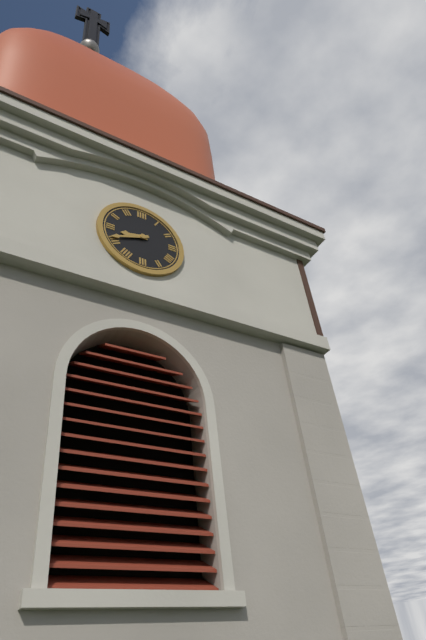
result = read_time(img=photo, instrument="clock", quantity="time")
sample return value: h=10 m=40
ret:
h=8 m=41
